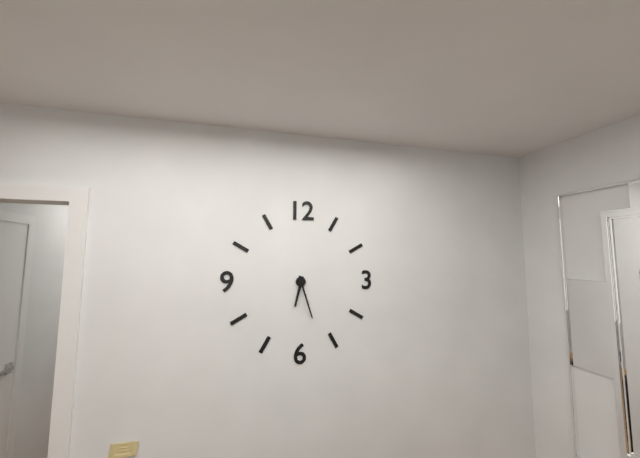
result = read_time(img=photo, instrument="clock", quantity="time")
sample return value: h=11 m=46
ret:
h=6 m=27
